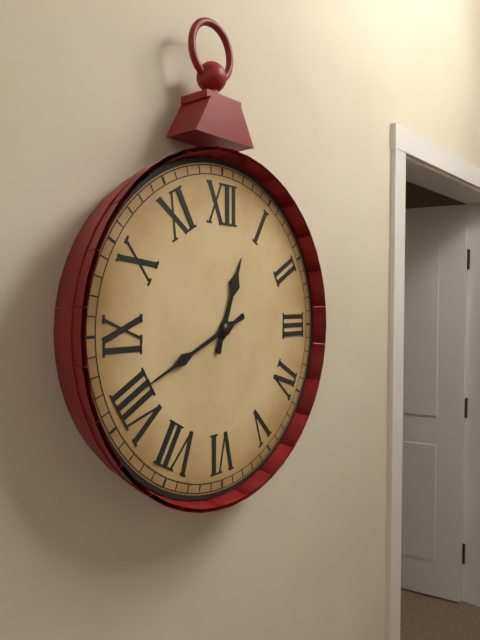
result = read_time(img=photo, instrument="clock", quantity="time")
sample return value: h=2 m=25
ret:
h=12 m=41
